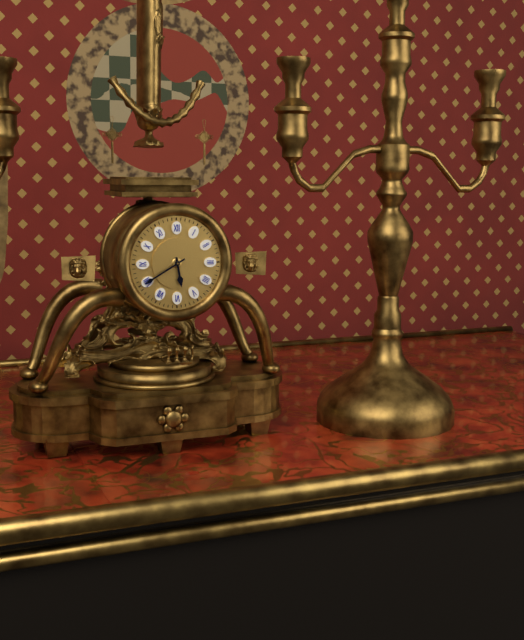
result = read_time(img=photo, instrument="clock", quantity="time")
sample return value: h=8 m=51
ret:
h=5 m=40
